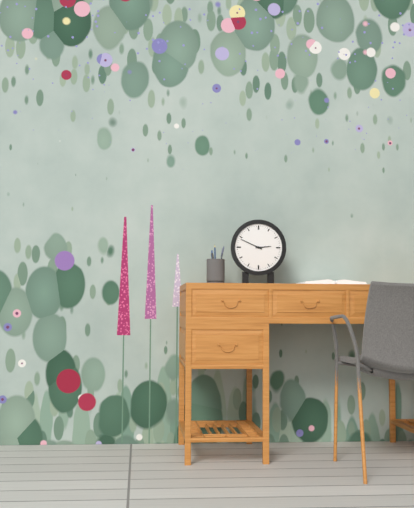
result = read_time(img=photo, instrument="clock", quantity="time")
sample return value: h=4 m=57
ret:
h=2 m=49
